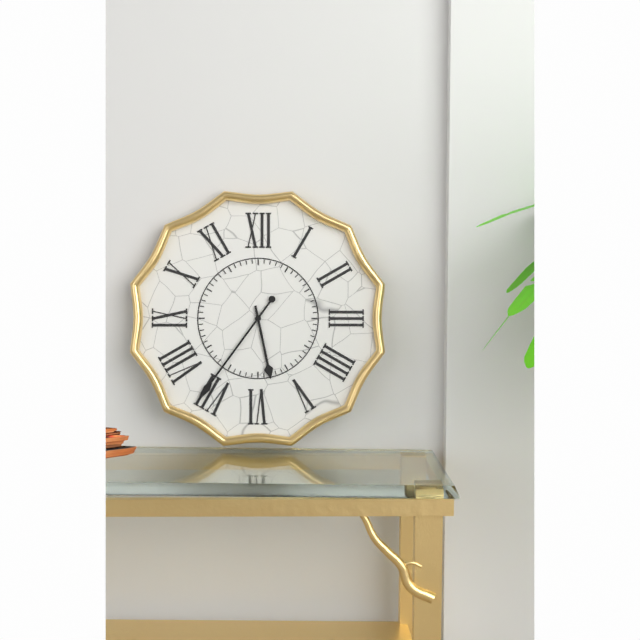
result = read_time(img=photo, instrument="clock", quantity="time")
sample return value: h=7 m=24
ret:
h=5 m=36
